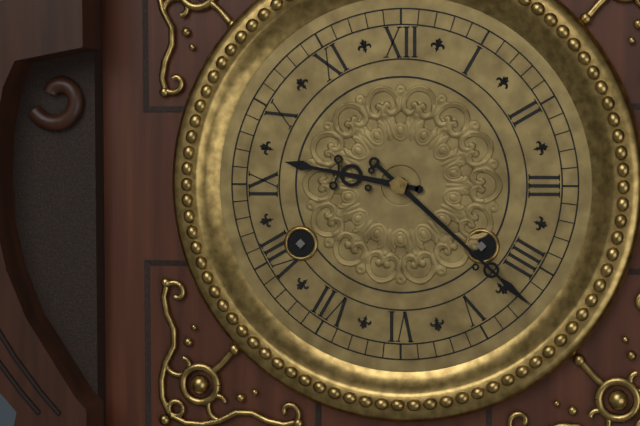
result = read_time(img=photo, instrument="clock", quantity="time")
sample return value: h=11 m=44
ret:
h=9 m=22
